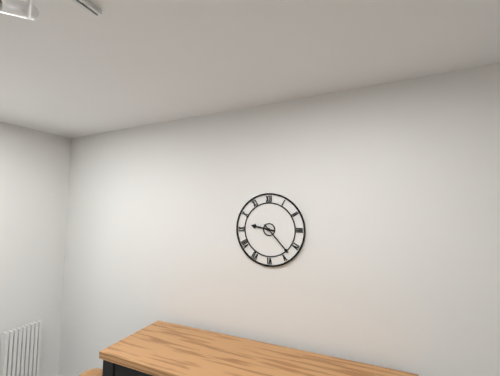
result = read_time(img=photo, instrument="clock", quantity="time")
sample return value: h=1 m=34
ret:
h=9 m=23
